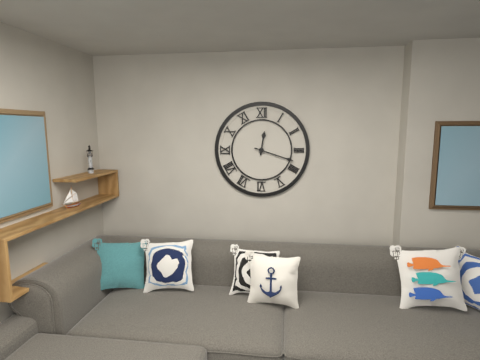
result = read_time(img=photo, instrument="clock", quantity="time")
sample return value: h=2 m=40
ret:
h=12 m=18
